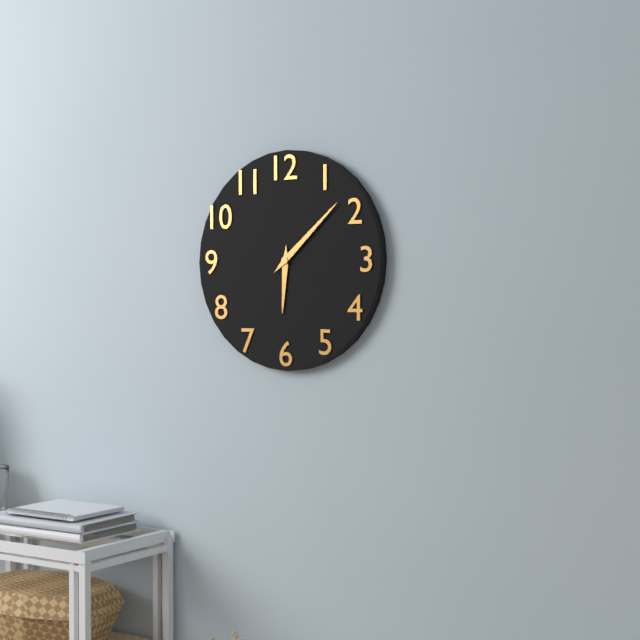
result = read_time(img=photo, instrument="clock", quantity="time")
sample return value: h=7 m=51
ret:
h=6 m=8
